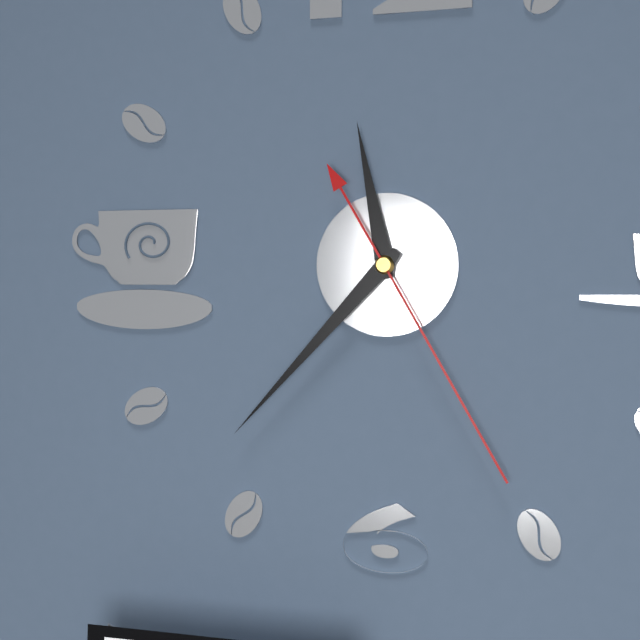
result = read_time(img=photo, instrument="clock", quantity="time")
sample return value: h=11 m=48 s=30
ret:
h=11 m=37 s=25
